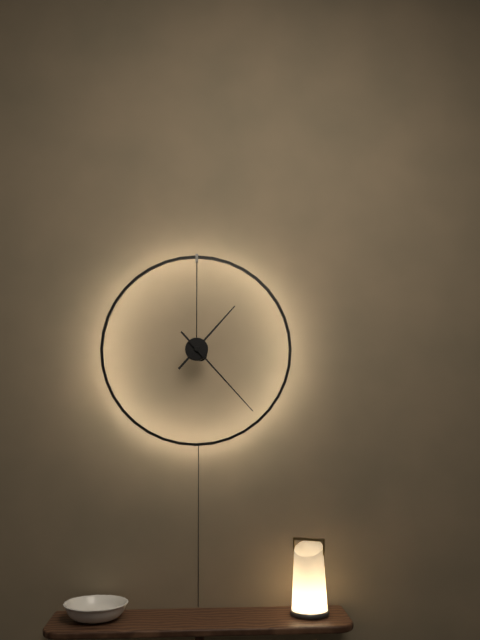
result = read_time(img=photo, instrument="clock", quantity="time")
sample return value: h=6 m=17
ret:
h=1 m=23
